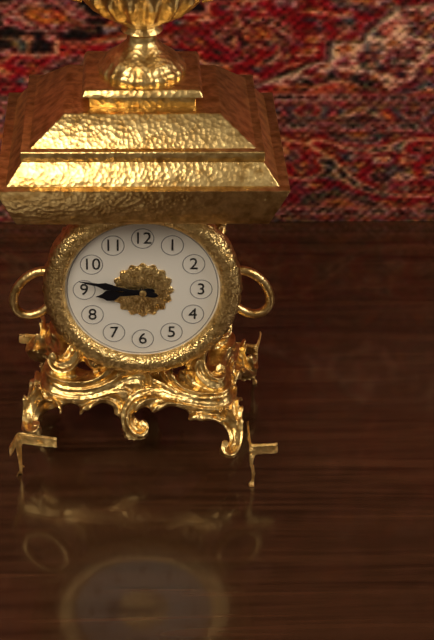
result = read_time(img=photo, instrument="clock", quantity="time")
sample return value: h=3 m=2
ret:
h=8 m=47
